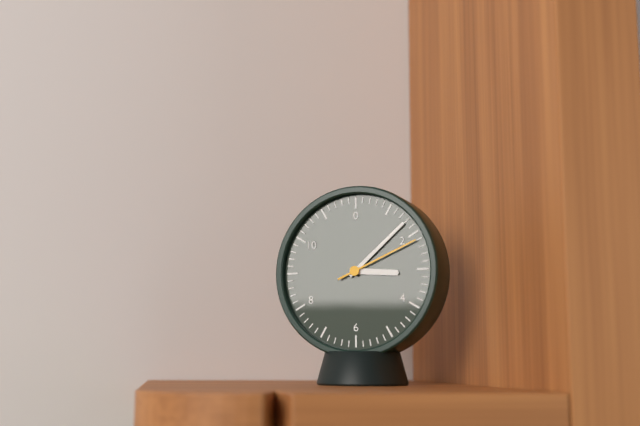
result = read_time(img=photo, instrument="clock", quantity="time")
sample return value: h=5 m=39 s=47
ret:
h=3 m=8 s=11
